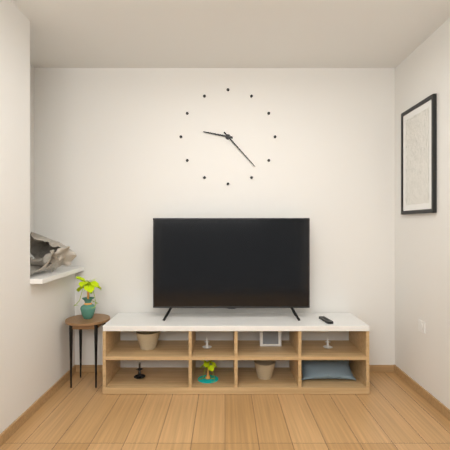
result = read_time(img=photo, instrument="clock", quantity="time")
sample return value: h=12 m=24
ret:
h=9 m=23
